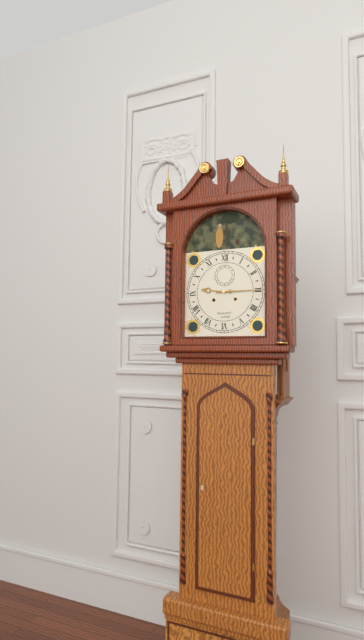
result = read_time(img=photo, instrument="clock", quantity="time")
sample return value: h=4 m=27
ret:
h=9 m=15
